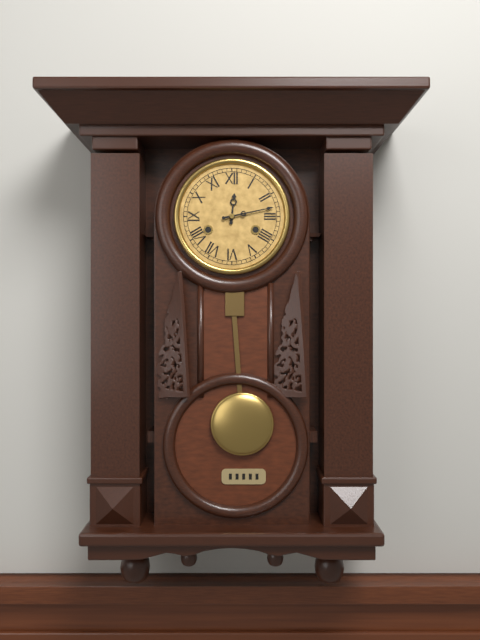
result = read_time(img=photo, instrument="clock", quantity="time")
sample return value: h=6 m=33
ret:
h=12 m=13
